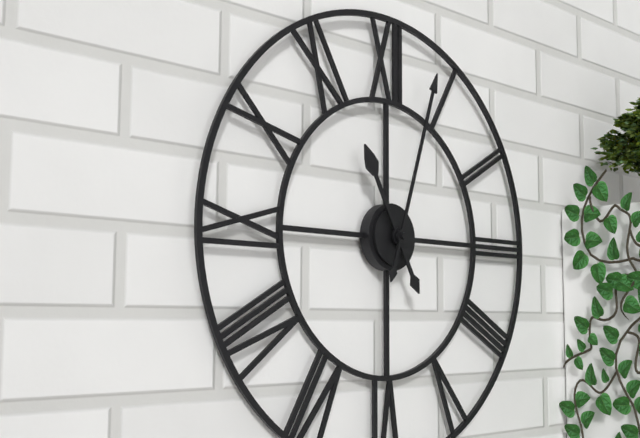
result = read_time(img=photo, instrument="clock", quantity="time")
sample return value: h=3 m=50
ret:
h=11 m=3
